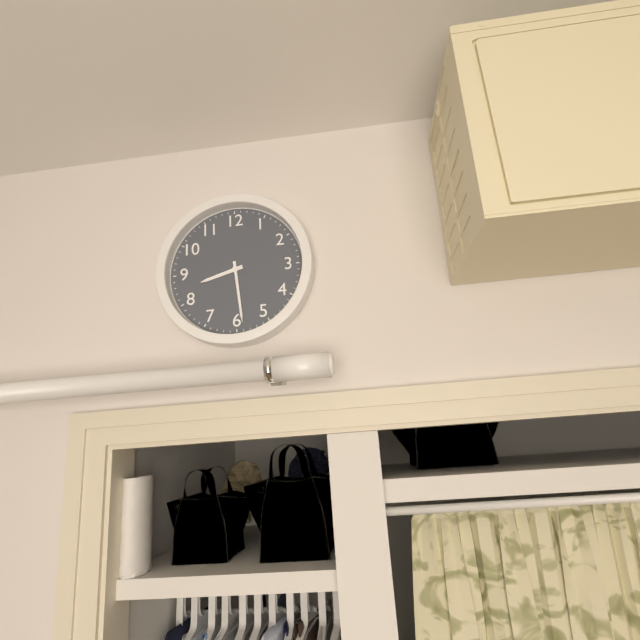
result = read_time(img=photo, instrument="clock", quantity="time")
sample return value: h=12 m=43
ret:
h=8 m=29
